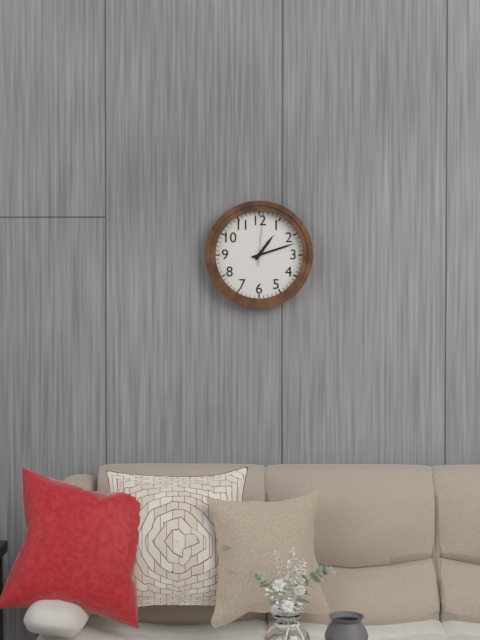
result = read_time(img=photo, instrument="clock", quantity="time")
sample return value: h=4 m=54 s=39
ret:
h=1 m=12 s=1
